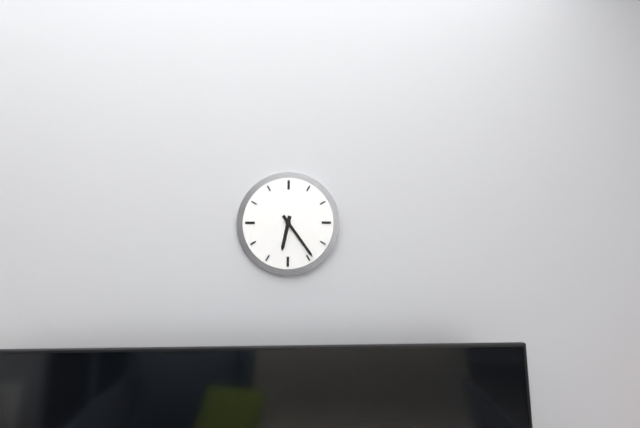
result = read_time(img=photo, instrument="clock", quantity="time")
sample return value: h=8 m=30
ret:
h=6 m=24
